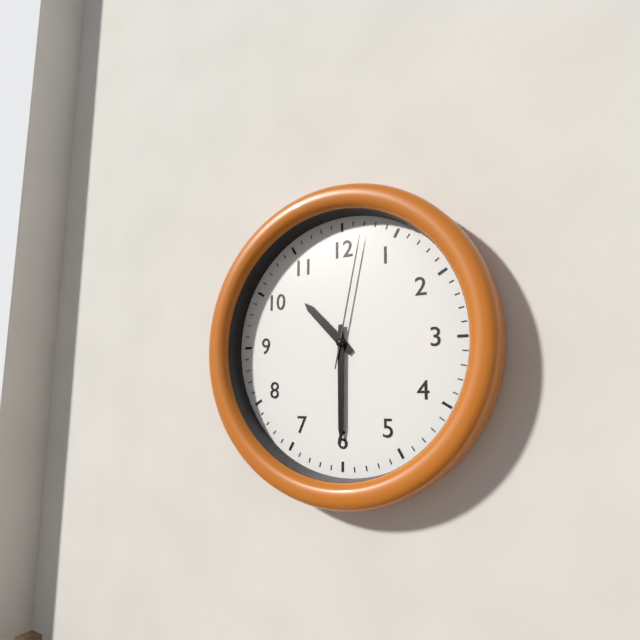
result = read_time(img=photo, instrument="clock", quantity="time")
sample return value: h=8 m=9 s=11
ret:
h=10 m=30 s=2
